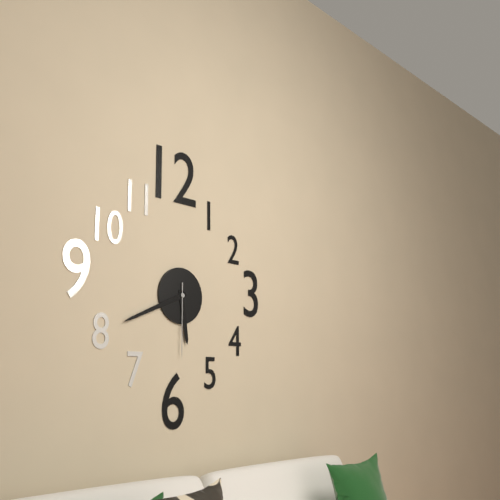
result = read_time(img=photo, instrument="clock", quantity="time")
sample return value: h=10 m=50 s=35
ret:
h=5 m=41 s=30
